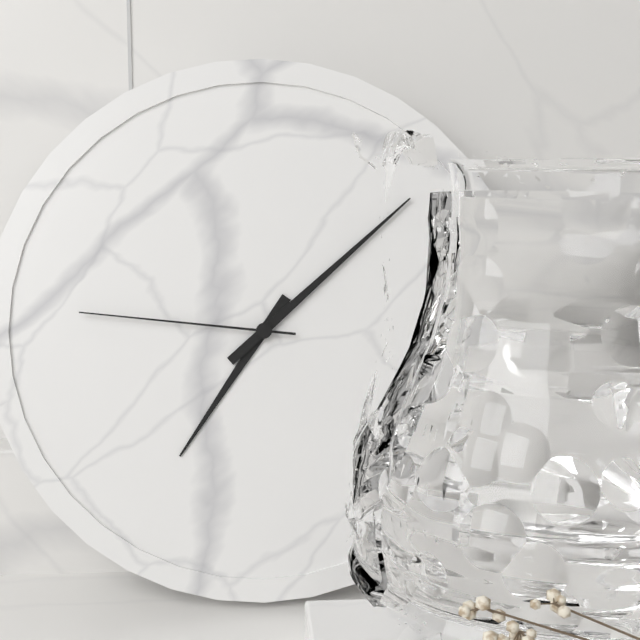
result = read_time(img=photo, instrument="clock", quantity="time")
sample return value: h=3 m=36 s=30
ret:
h=7 m=8 s=46
